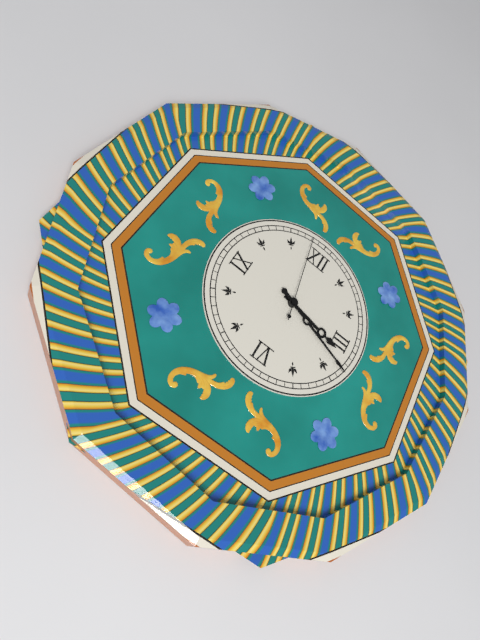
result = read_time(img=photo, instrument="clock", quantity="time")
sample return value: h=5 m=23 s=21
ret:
h=3 m=18 s=58
